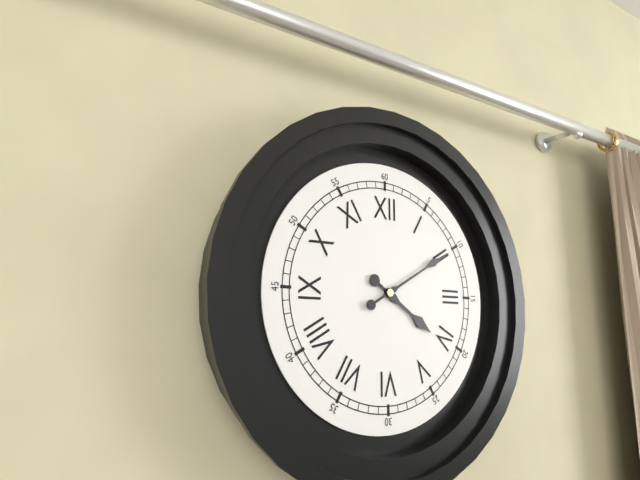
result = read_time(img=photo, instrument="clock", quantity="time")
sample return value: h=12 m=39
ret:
h=4 m=10
